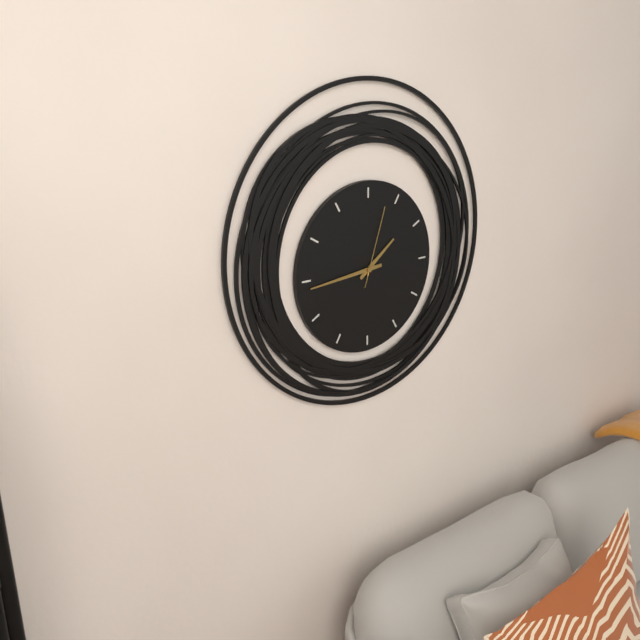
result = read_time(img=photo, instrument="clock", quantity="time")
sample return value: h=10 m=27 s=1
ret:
h=1 m=44 s=3
